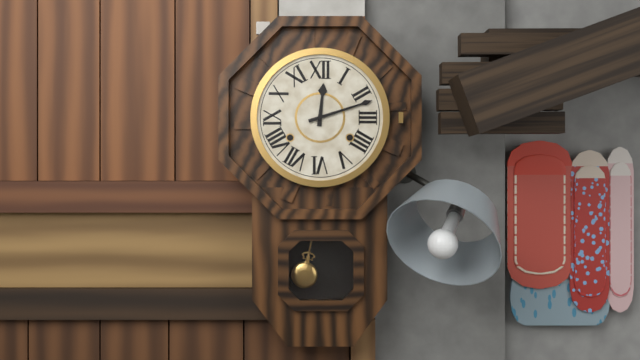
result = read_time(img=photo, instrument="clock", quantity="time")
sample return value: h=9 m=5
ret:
h=12 m=12
